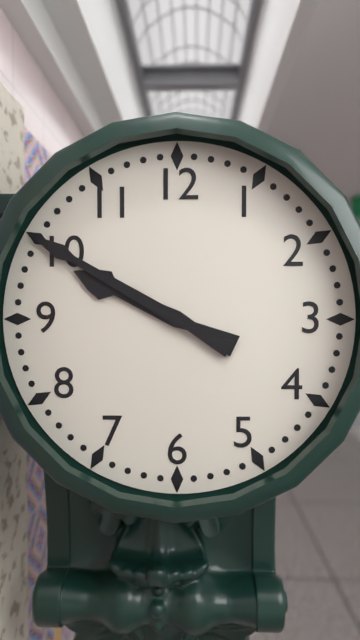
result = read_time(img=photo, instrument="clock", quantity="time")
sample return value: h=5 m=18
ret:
h=9 m=50
